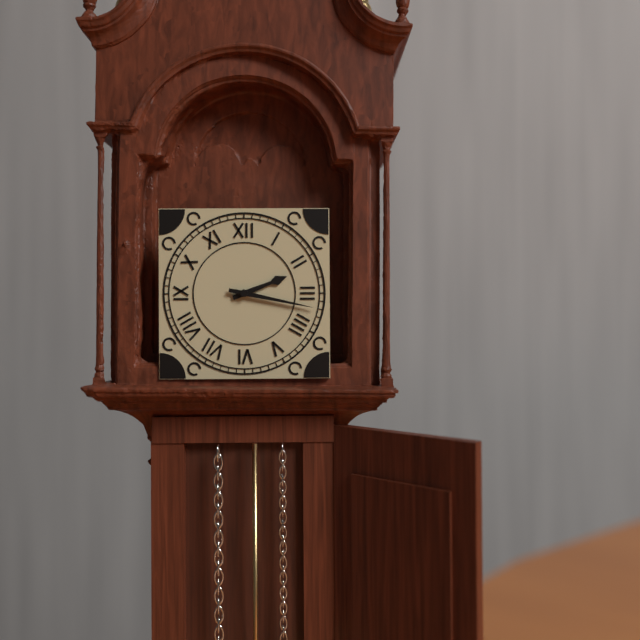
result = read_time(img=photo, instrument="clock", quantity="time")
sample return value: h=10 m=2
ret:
h=2 m=17
